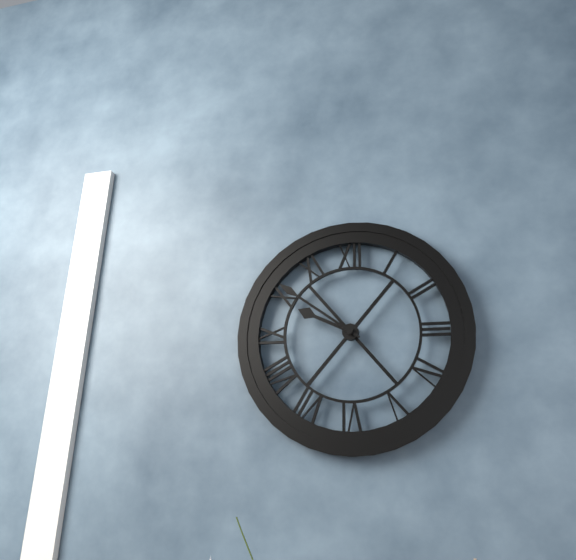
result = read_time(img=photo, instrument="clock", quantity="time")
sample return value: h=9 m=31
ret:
h=9 m=51
